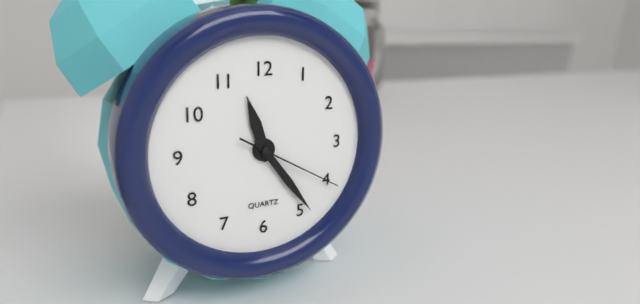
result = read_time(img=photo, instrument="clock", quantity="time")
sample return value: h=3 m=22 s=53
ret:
h=11 m=24 s=20
